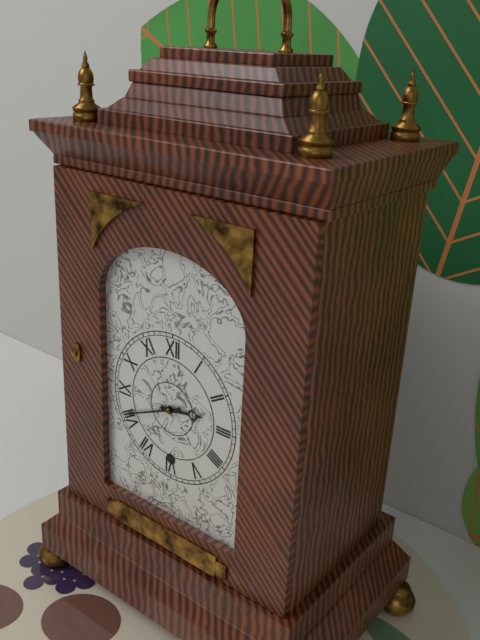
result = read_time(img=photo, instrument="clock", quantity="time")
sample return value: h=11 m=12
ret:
h=2 m=41
